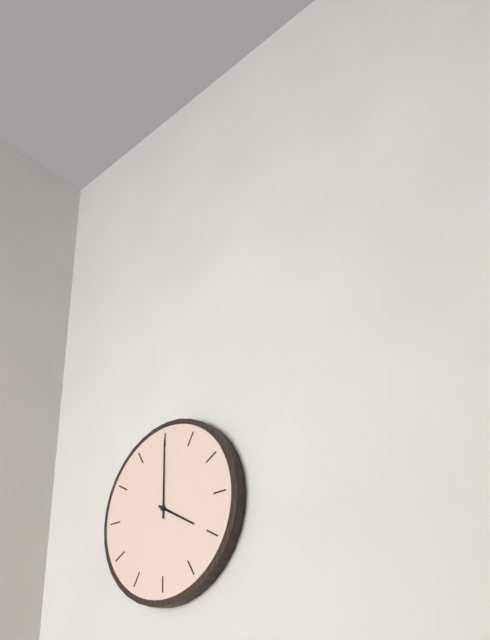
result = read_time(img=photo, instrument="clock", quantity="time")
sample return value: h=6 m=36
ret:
h=4 m=0
